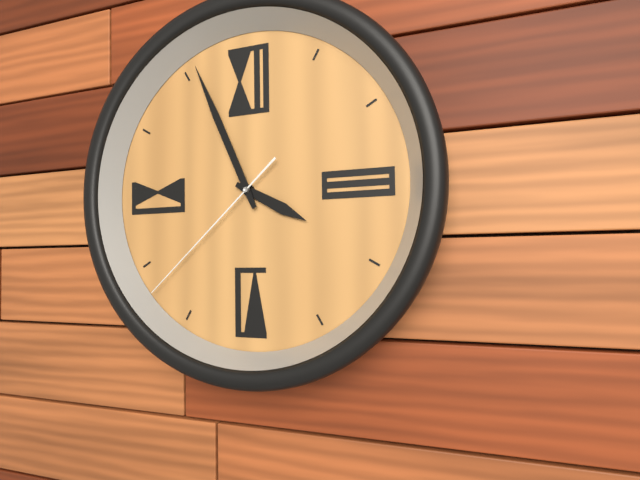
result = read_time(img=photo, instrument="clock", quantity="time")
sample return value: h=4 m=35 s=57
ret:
h=3 m=56 s=38
